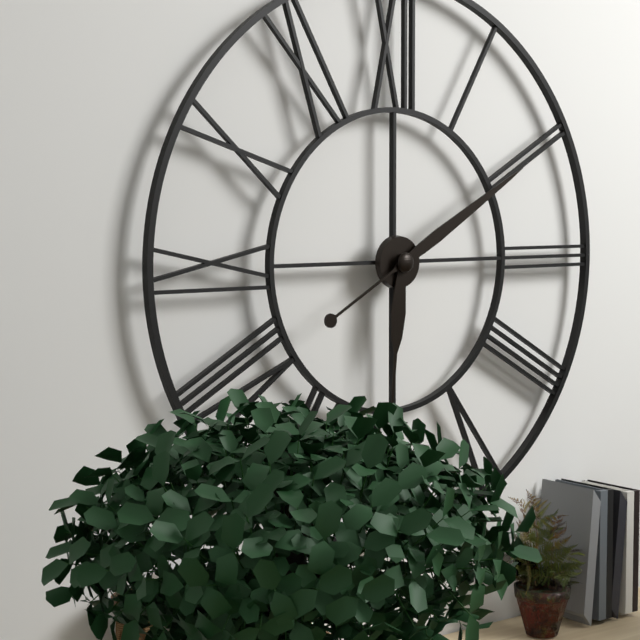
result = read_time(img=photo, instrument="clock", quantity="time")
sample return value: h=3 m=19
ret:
h=6 m=10
